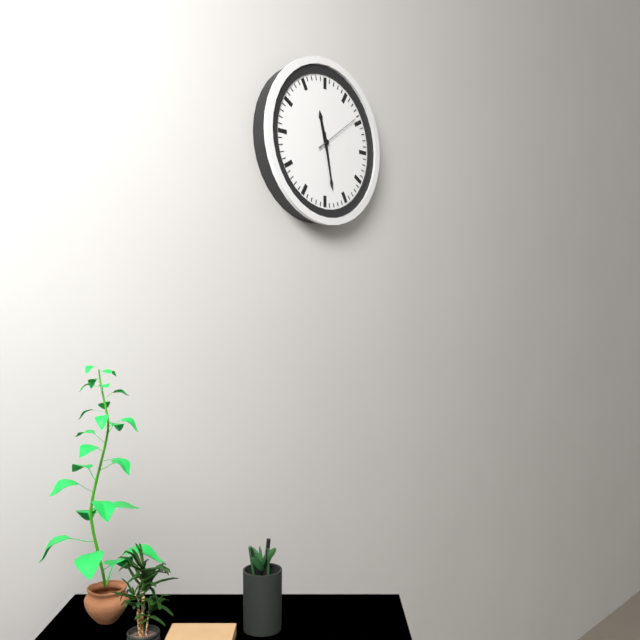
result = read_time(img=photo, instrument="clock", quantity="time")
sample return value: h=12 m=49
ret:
h=11 m=28
